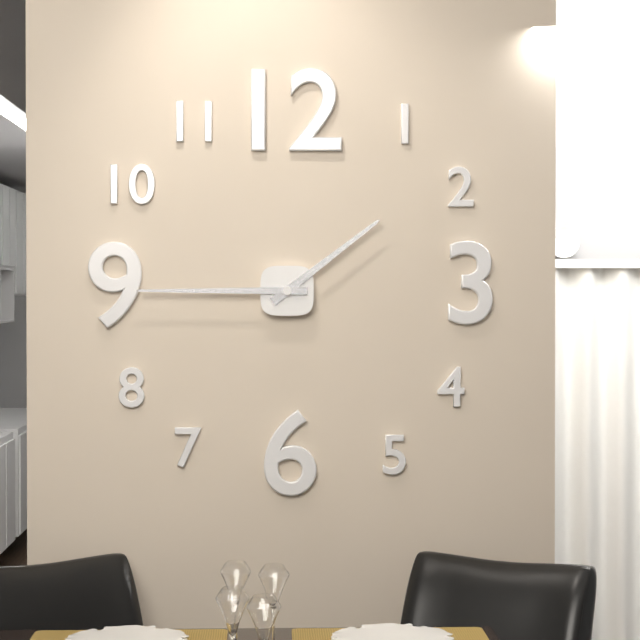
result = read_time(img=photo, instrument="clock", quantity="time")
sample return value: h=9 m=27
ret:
h=1 m=45
